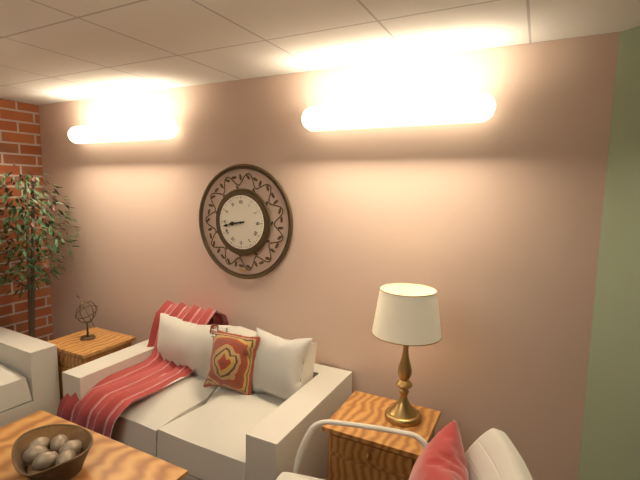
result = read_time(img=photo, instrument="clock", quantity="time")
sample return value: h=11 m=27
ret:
h=8 m=43
